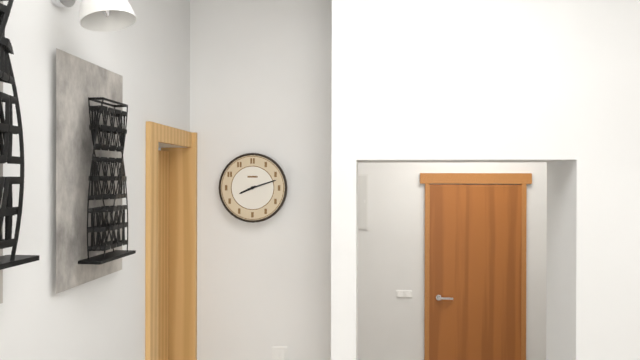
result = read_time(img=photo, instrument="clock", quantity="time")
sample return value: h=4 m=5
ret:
h=8 m=12
